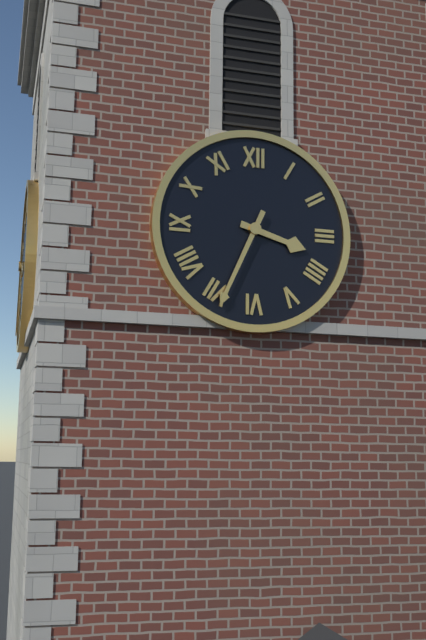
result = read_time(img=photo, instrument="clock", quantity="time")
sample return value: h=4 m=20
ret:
h=3 m=34
